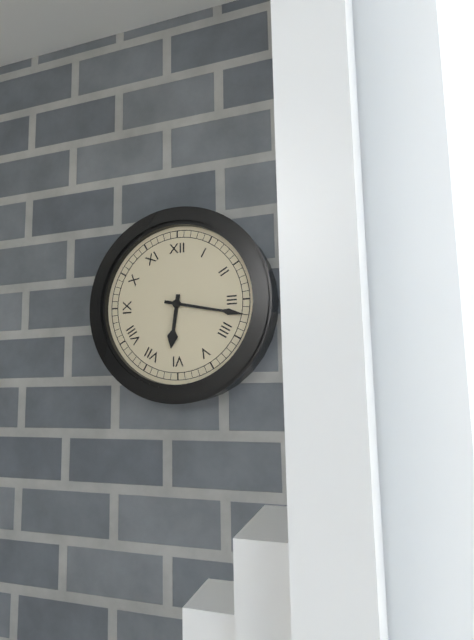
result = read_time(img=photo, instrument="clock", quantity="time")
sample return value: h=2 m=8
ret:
h=6 m=17
